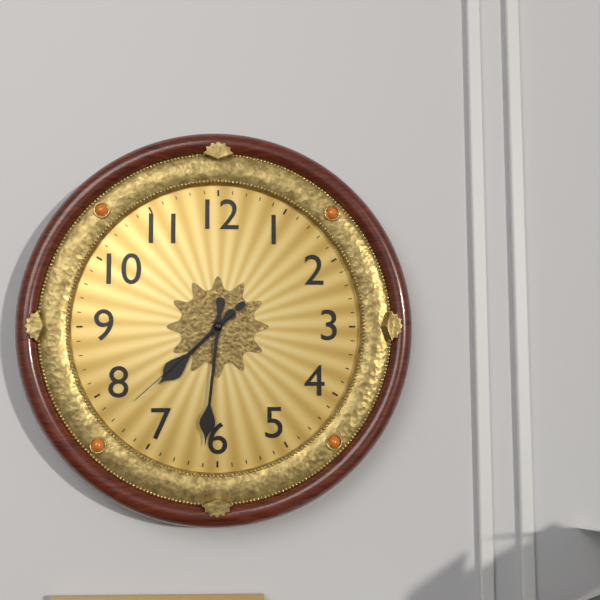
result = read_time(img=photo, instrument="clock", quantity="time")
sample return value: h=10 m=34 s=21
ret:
h=7 m=31 s=38
